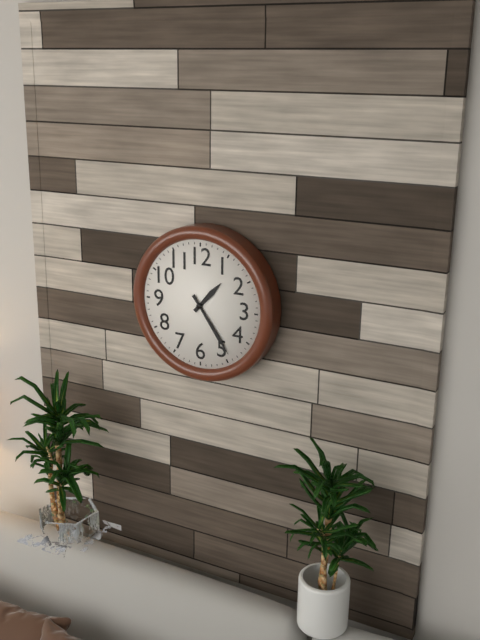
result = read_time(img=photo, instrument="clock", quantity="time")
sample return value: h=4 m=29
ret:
h=1 m=24
